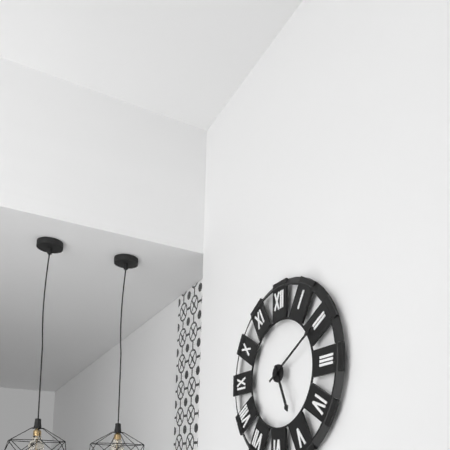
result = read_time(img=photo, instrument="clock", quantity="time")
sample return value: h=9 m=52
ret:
h=5 m=10
